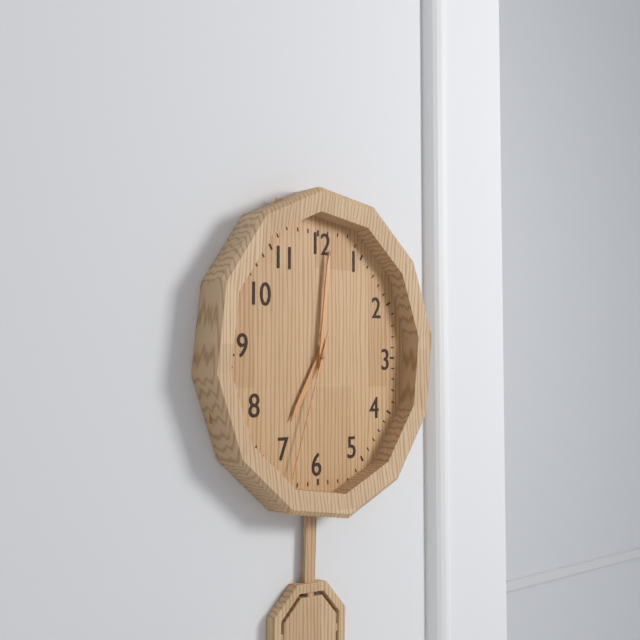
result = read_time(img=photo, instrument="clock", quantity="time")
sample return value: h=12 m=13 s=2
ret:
h=7 m=1 s=33
